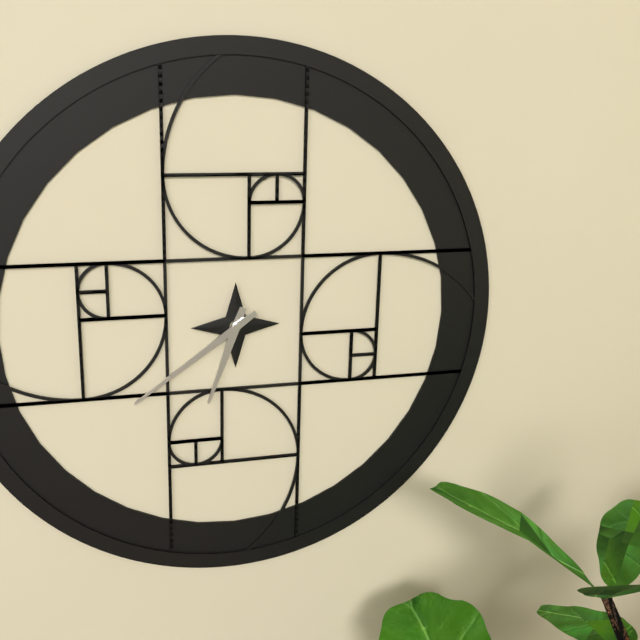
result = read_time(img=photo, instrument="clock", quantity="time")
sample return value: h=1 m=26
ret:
h=6 m=39
